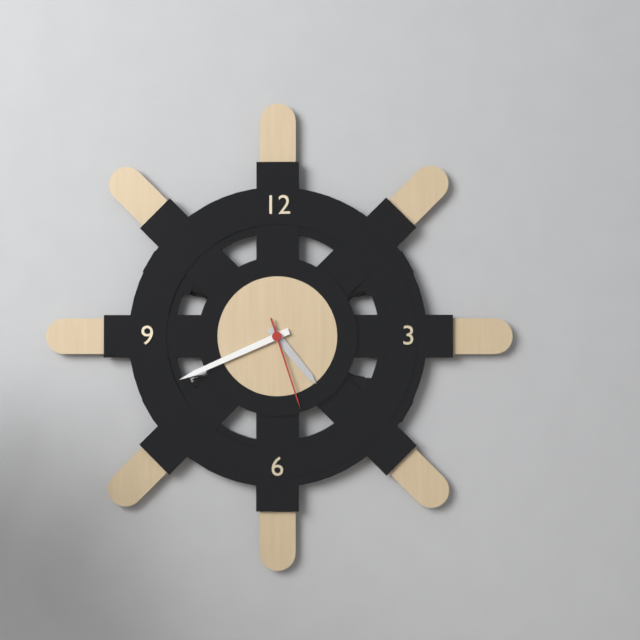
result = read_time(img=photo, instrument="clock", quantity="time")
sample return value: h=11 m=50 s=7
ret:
h=4 m=41 s=27
